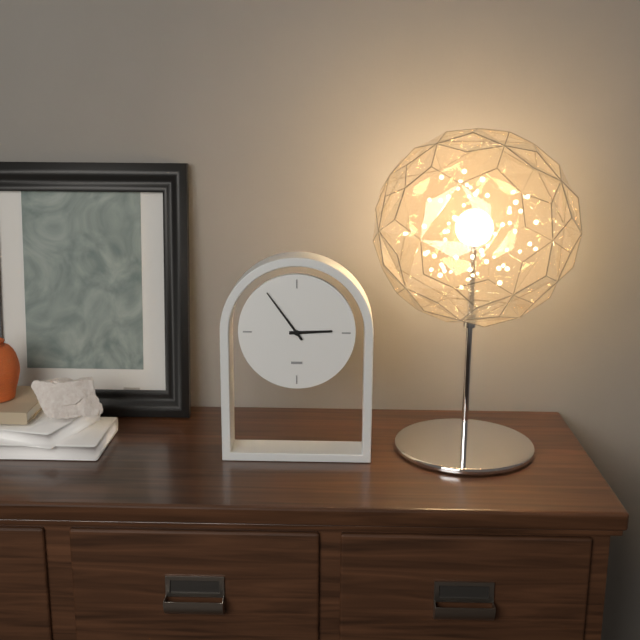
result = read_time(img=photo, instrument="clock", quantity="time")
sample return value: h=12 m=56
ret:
h=2 m=54
